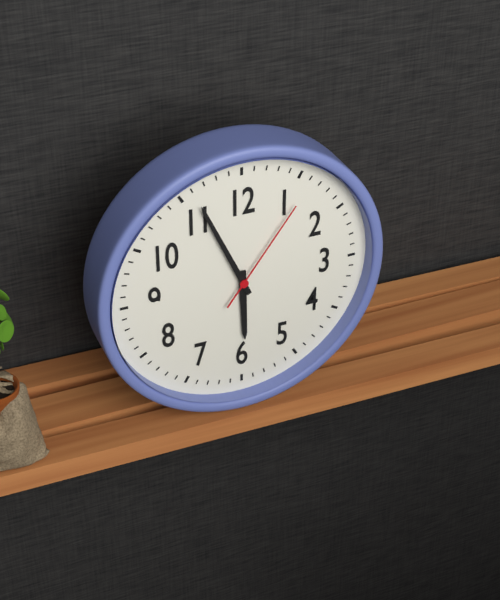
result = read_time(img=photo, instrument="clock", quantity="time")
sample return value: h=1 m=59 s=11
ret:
h=5 m=56 s=6
